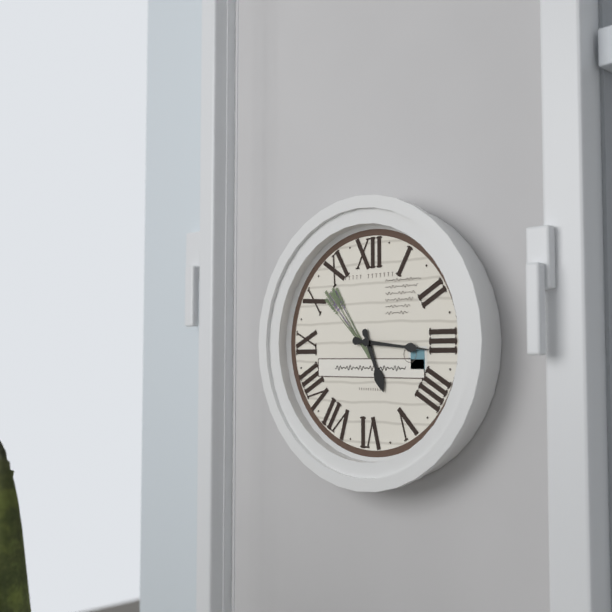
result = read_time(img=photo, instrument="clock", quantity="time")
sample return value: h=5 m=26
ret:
h=5 m=16
